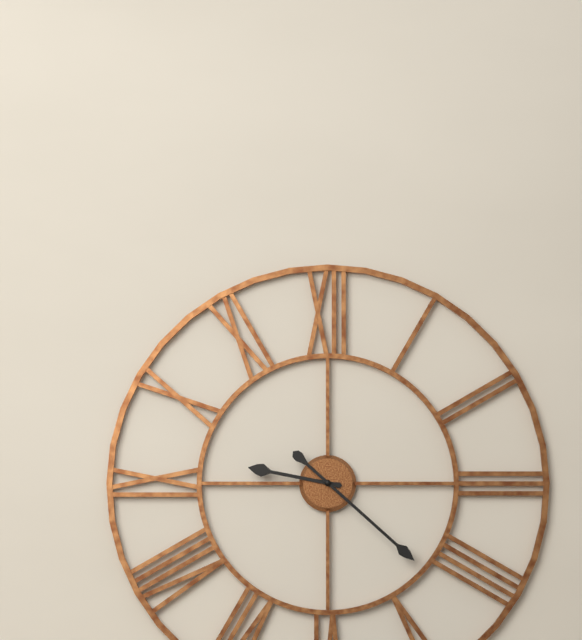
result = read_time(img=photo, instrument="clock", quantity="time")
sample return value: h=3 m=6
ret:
h=9 m=22
